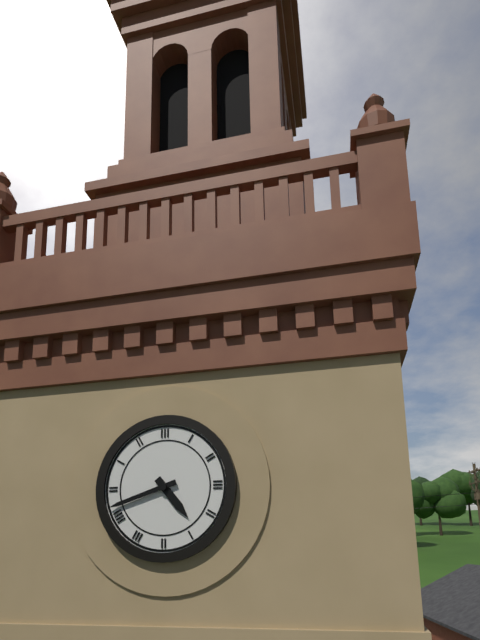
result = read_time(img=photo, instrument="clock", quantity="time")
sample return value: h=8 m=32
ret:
h=4 m=42
